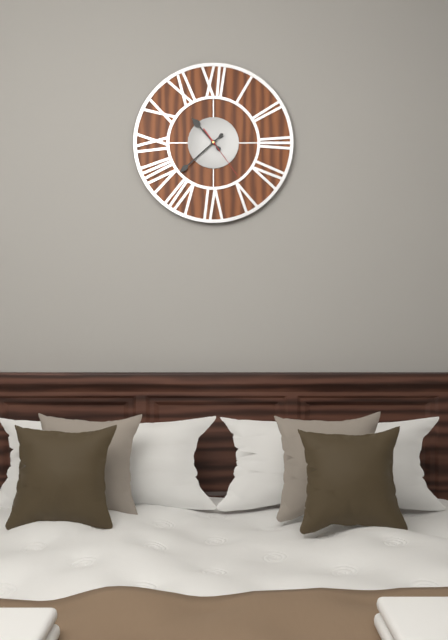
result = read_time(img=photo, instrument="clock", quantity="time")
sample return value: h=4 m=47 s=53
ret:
h=10 m=38 s=24
